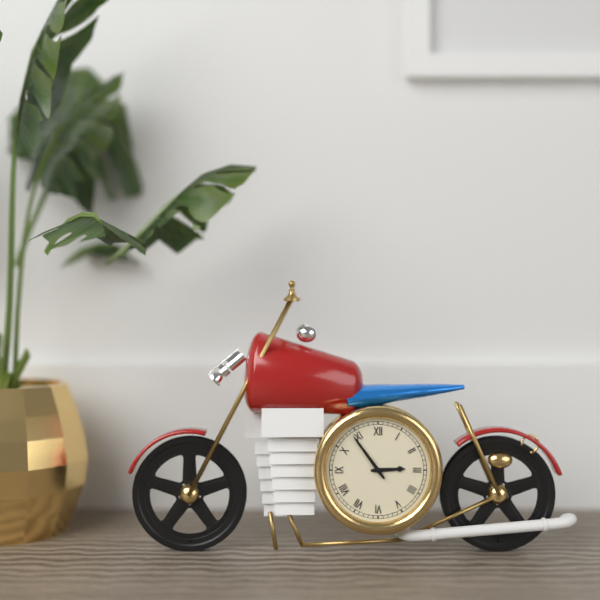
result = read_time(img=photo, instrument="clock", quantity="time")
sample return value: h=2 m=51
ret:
h=2 m=54
